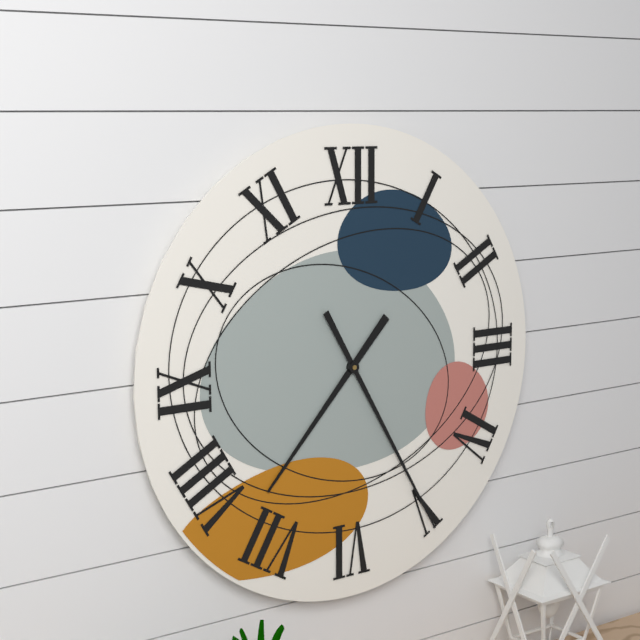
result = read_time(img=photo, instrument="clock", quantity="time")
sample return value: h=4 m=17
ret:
h=7 m=25
